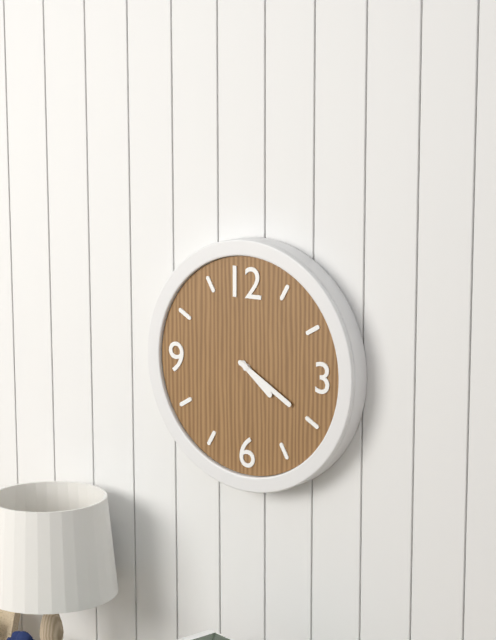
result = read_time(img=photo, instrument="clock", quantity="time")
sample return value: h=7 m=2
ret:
h=4 m=20
